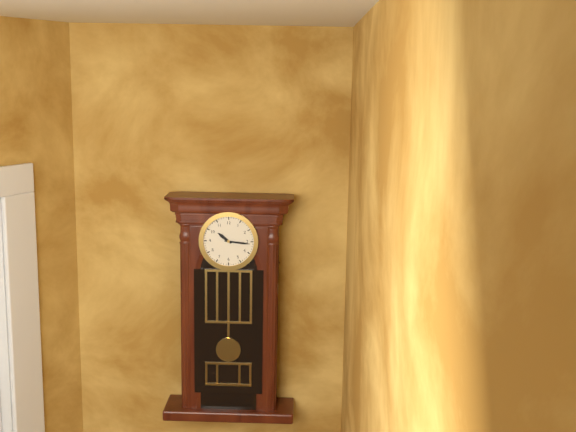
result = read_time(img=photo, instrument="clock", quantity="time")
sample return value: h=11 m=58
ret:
h=10 m=16
